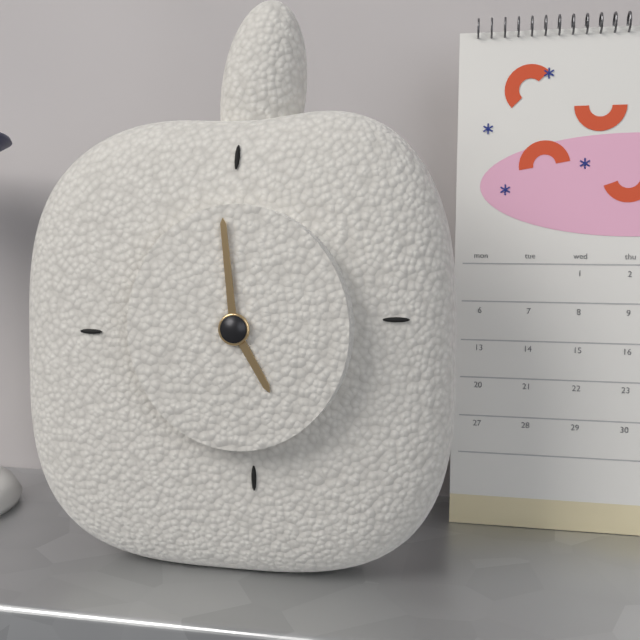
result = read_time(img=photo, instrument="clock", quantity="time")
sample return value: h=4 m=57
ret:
h=4 m=59
